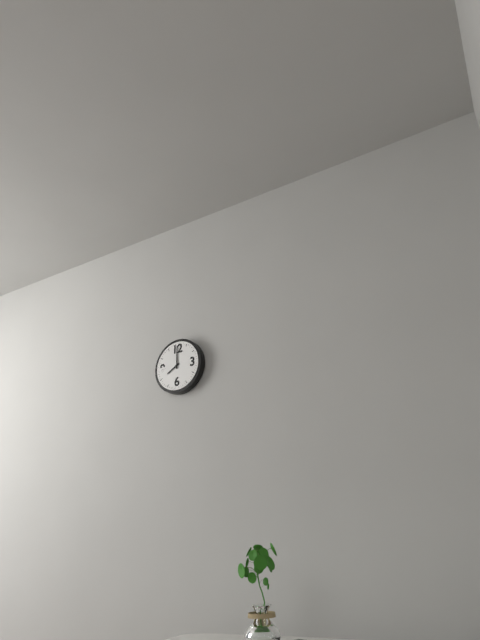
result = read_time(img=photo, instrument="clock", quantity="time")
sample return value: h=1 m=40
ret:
h=8 m=0
